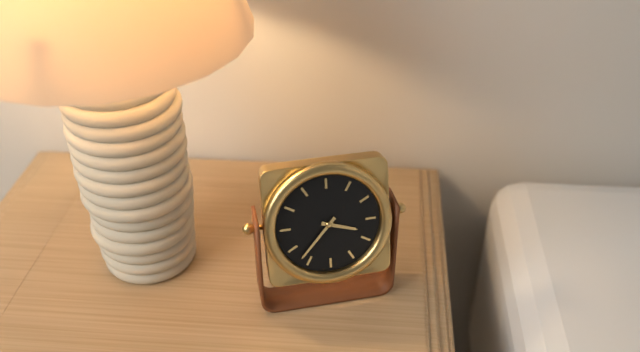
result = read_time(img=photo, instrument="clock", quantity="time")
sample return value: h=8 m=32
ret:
h=3 m=37
